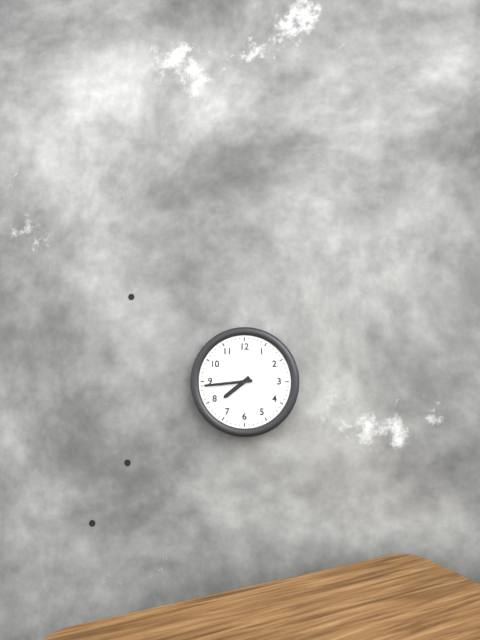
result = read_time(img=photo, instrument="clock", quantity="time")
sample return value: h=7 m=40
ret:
h=7 m=44
